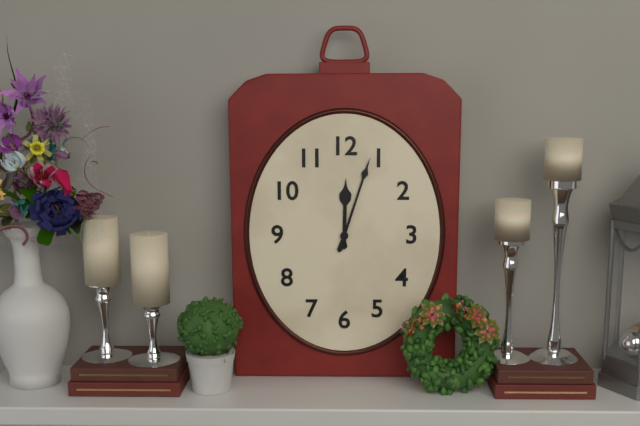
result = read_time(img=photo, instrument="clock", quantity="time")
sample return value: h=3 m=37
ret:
h=12 m=3
